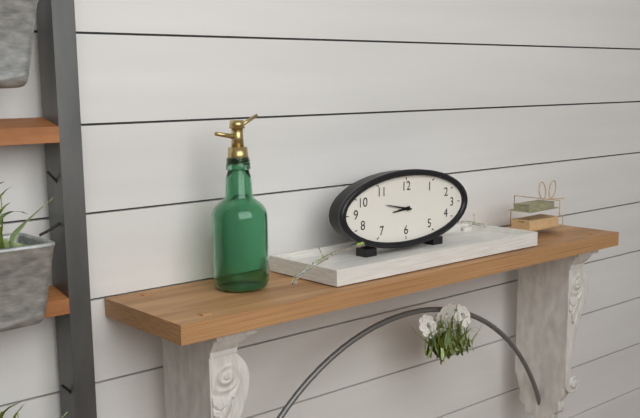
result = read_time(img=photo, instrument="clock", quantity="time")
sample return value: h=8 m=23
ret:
h=8 m=47
